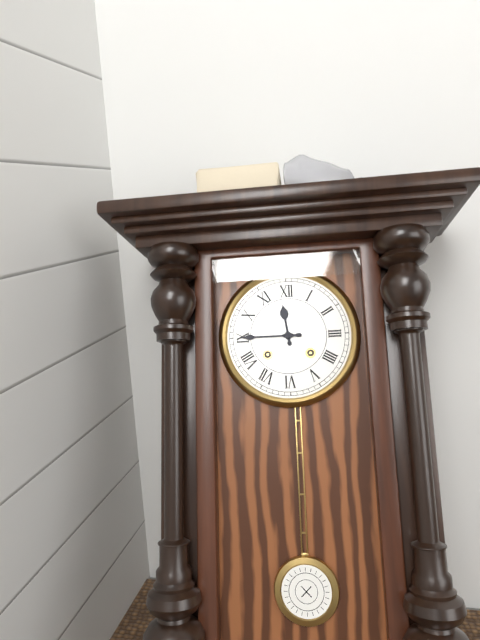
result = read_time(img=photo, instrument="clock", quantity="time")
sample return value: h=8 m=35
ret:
h=11 m=45
